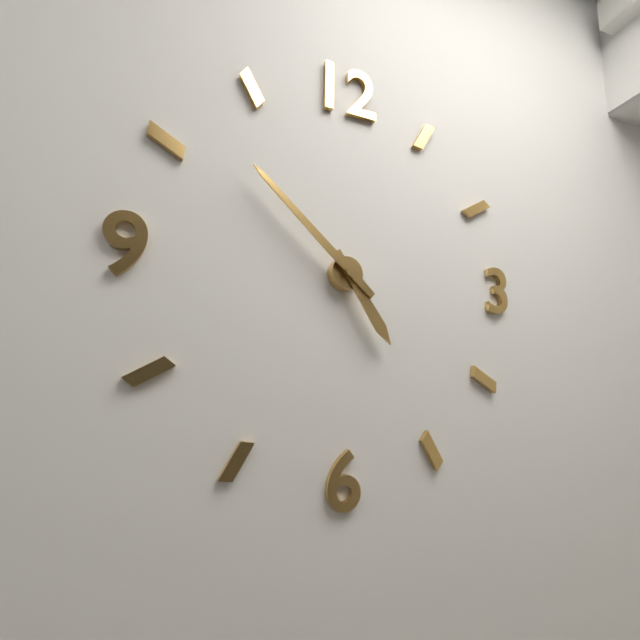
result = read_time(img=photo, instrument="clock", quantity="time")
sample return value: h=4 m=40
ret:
h=4 m=52
